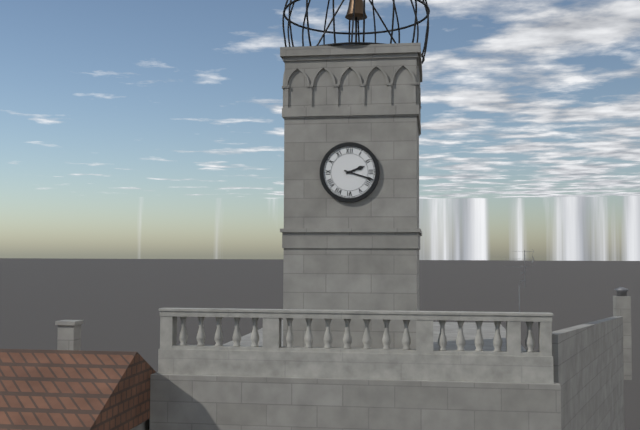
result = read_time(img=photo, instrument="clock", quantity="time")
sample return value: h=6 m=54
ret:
h=2 m=18
